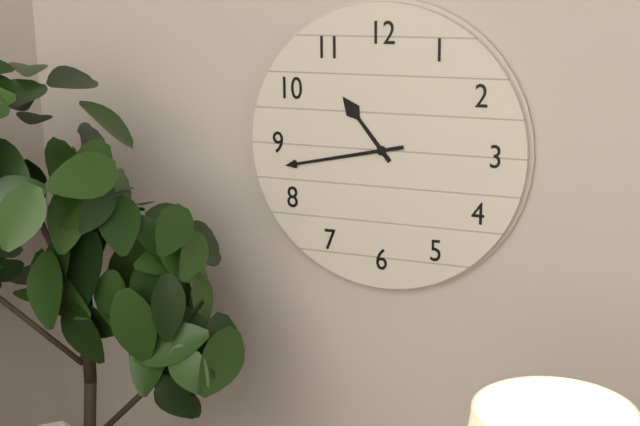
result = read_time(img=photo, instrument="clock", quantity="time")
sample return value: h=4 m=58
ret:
h=10 m=43
